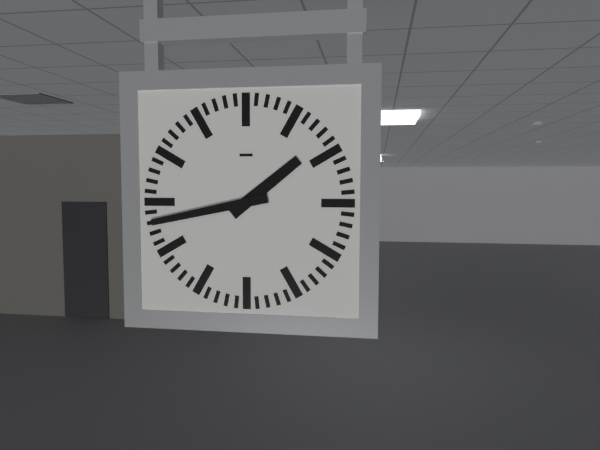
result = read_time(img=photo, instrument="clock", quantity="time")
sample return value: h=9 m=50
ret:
h=1 m=43
